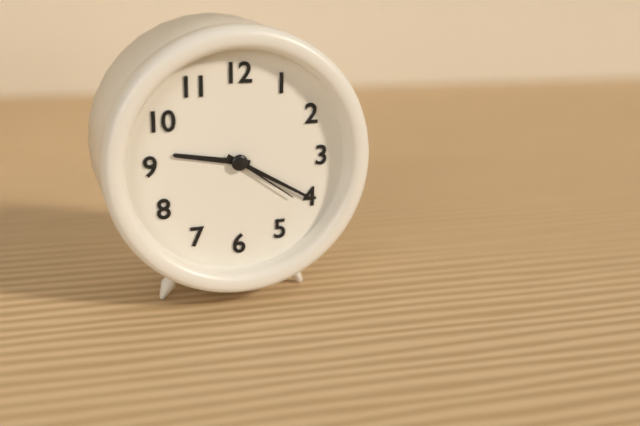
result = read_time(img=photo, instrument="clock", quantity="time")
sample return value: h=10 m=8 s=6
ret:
h=9 m=20 s=21
